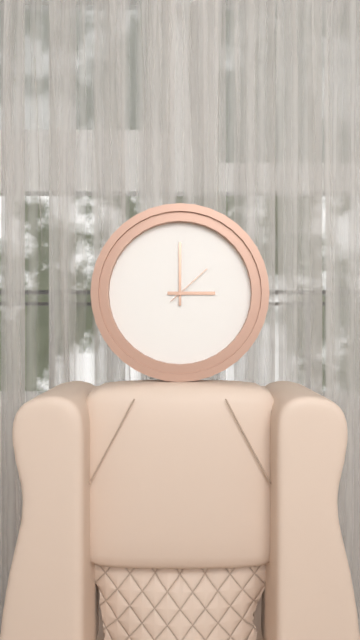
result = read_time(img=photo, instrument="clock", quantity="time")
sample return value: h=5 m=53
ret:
h=3 m=0
